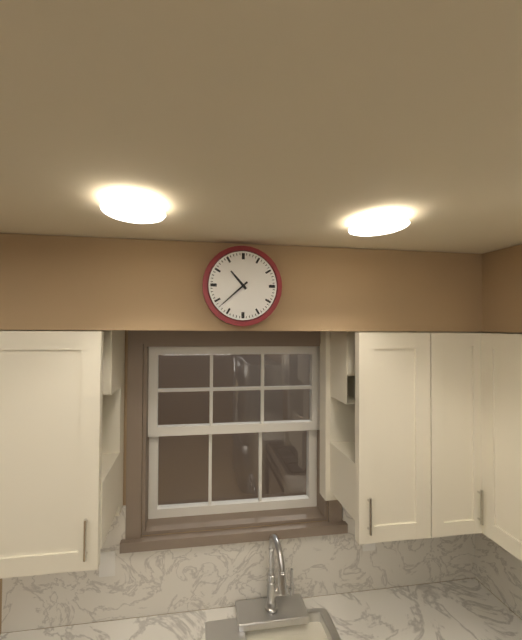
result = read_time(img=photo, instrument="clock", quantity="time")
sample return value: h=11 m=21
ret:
h=10 m=38
